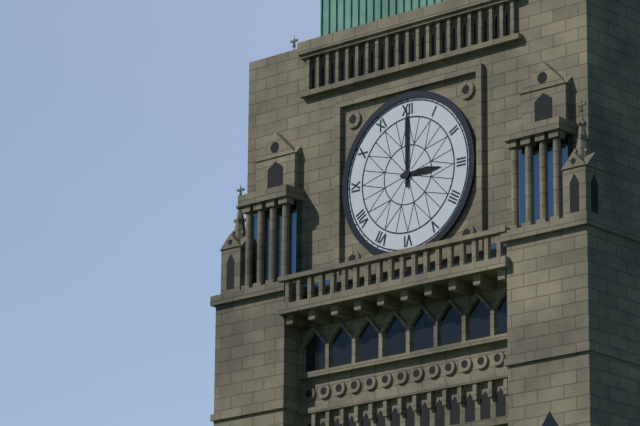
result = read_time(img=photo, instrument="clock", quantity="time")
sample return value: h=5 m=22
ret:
h=3 m=0
